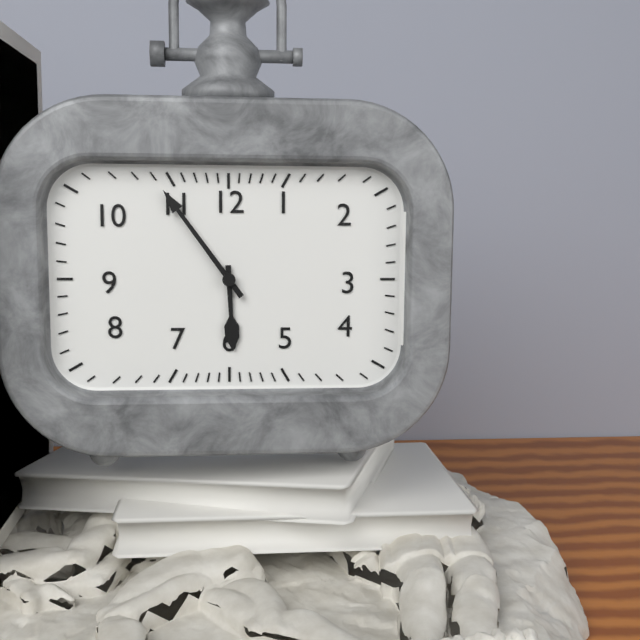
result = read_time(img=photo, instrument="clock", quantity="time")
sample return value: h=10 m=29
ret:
h=5 m=54
